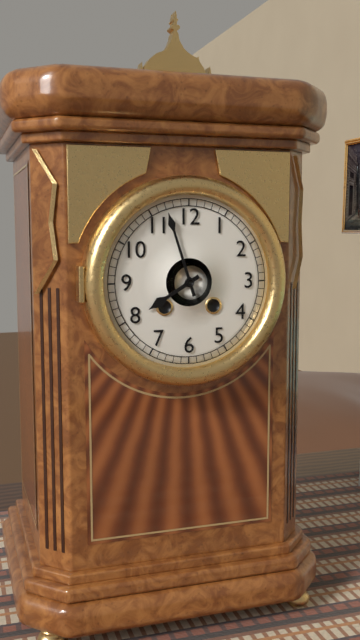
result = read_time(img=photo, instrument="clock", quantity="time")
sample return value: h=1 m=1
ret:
h=7 m=57
